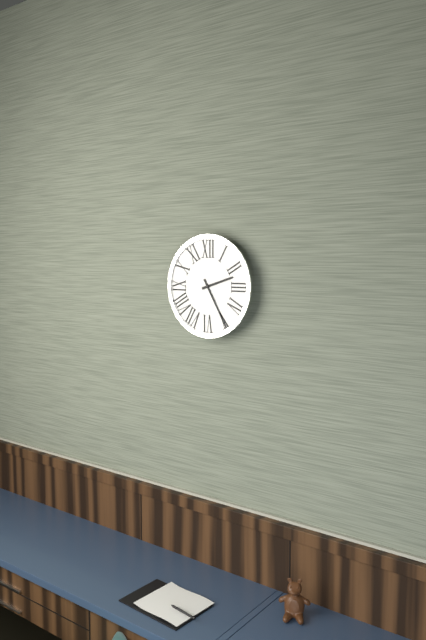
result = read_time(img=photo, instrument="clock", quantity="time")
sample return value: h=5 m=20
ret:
h=2 m=25
